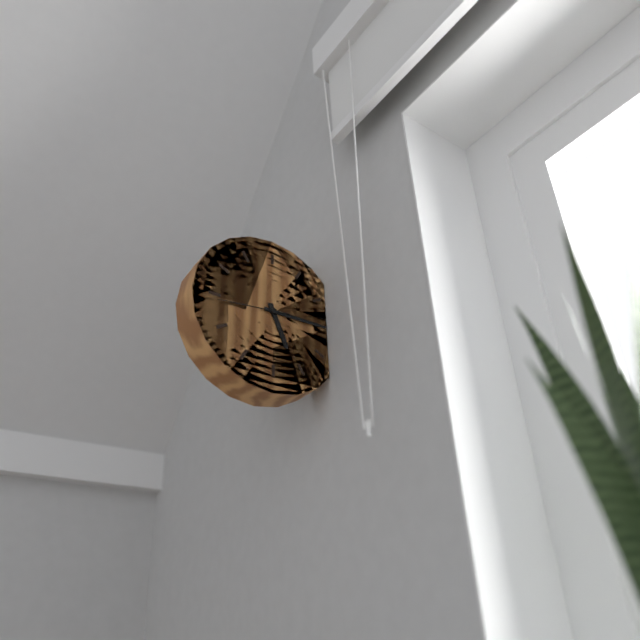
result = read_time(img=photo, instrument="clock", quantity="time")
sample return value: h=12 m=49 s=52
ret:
h=5 m=15 s=44
